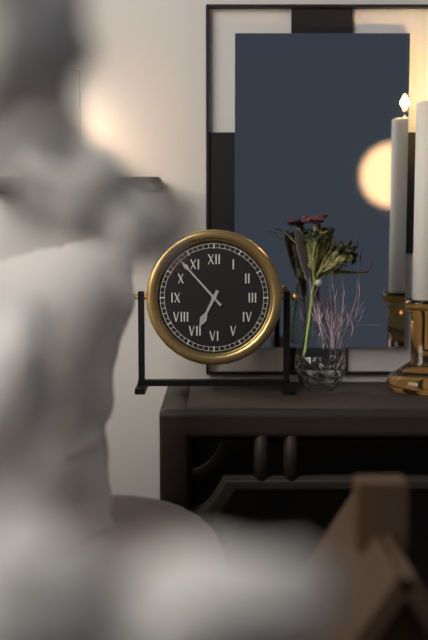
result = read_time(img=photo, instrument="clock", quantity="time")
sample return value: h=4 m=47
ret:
h=6 m=53
